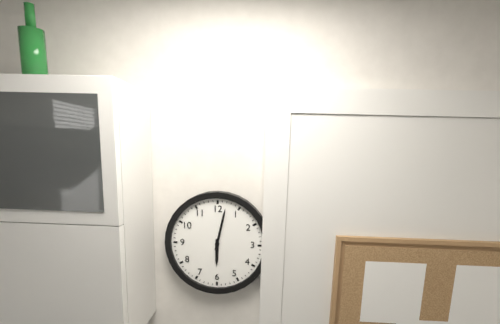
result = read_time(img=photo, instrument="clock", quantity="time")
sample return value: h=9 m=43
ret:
h=6 m=2
